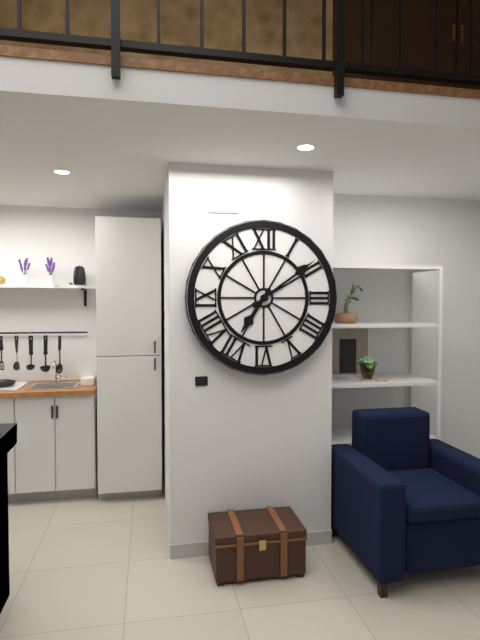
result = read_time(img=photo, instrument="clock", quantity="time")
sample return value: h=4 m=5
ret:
h=7 m=9
